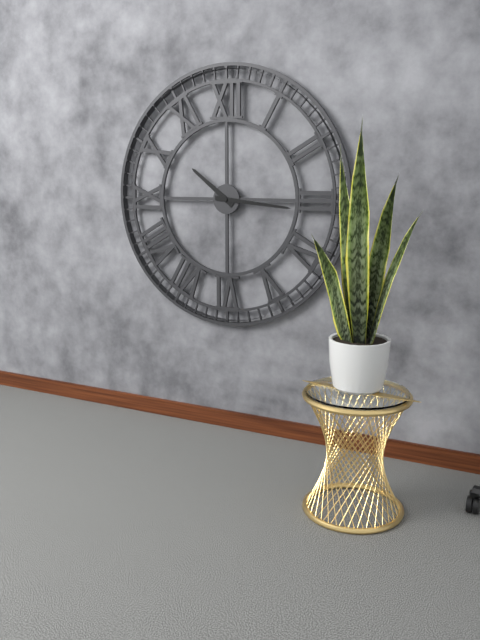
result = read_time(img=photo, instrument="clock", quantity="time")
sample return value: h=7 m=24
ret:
h=10 m=16
